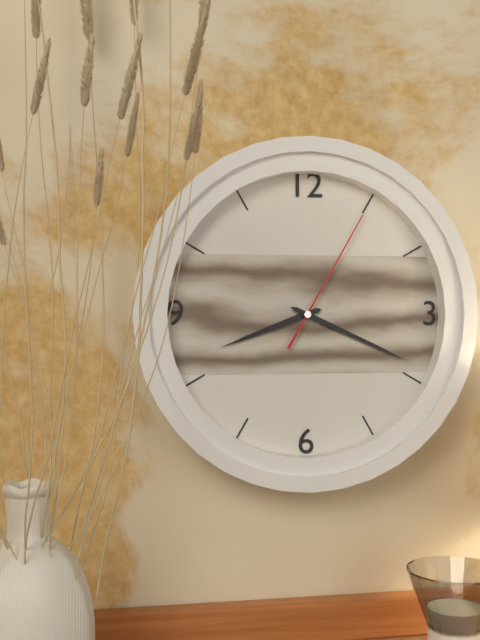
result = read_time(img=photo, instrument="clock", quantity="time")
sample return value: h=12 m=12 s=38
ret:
h=8 m=19 s=5
